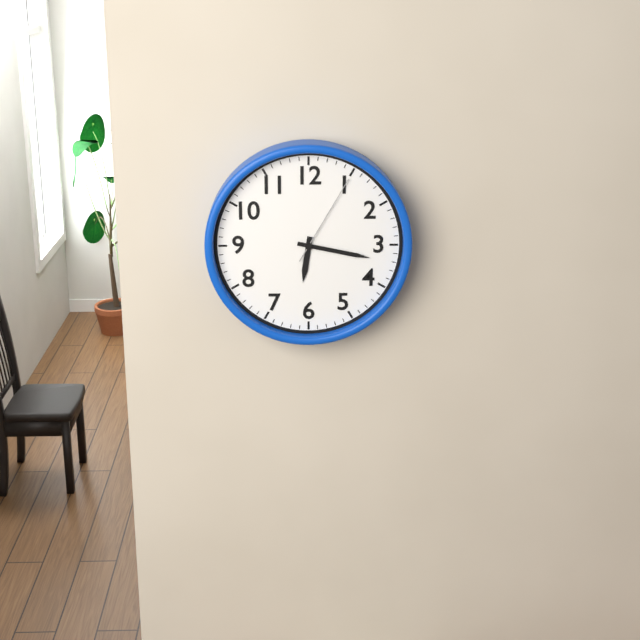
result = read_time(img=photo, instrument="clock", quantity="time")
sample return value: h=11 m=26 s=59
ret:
h=6 m=17 s=5
